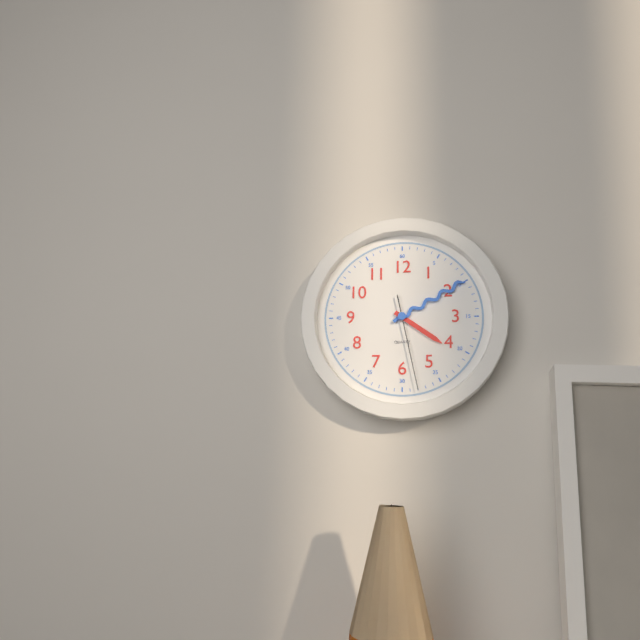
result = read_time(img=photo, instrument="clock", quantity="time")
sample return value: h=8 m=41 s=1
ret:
h=4 m=10 s=28
